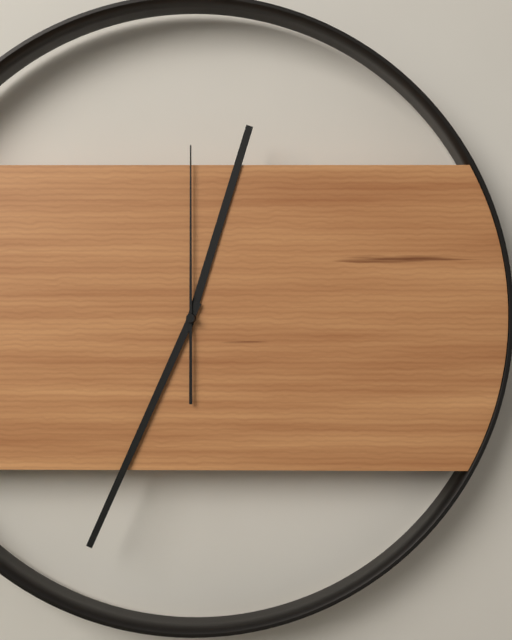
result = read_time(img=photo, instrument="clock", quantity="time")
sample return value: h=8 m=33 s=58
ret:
h=12 m=34 s=0
